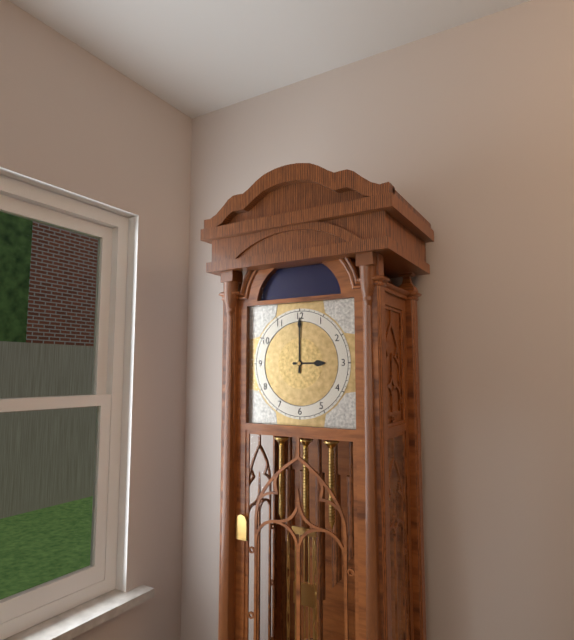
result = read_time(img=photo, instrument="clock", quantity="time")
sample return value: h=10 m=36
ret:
h=3 m=0
